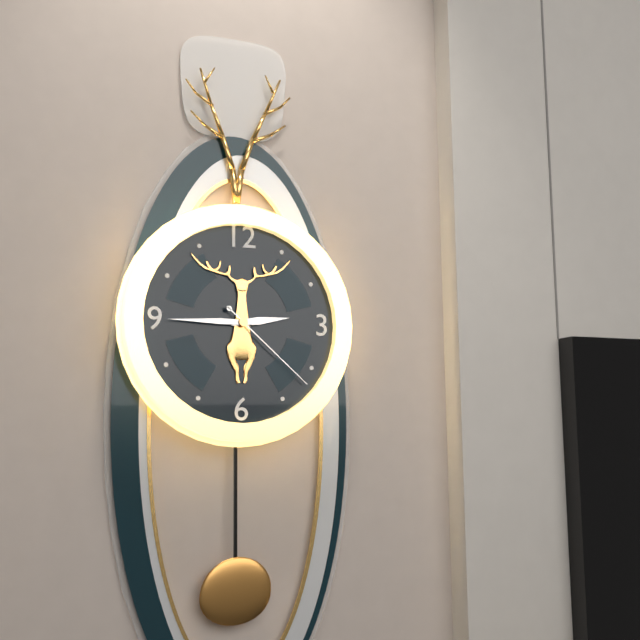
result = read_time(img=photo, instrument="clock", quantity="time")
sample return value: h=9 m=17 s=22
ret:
h=2 m=45 s=22
